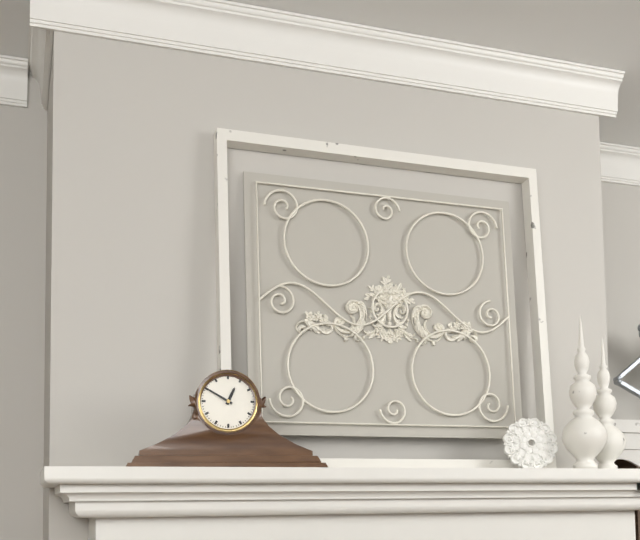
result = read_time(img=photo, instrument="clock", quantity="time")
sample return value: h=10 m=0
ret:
h=12 m=50
